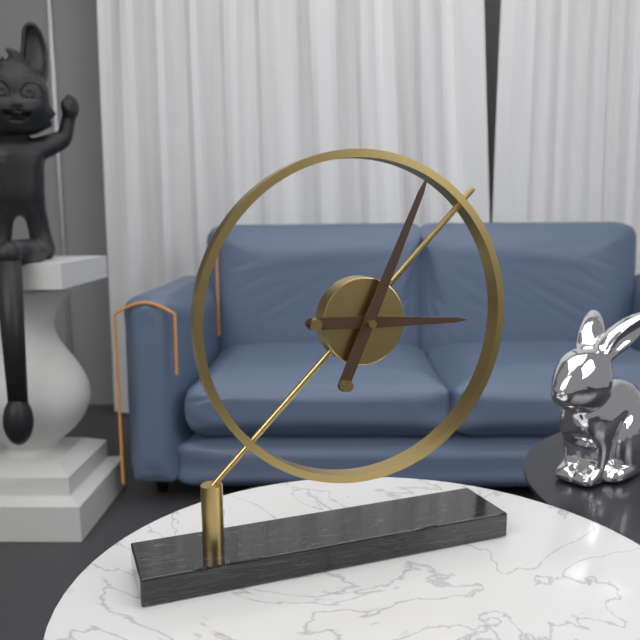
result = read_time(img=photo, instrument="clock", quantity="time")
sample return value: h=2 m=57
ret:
h=3 m=4
